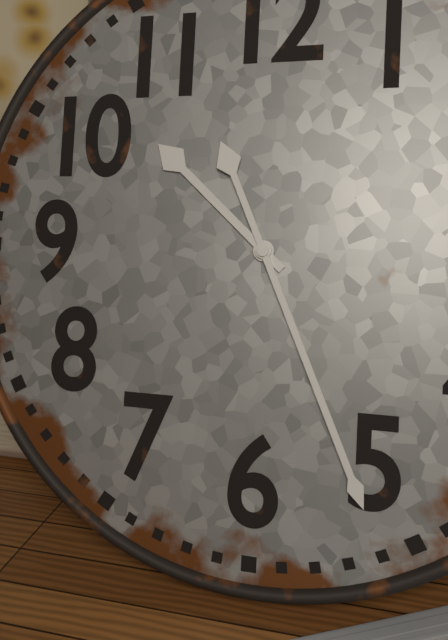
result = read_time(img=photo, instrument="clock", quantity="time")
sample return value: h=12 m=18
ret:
h=10 m=26
